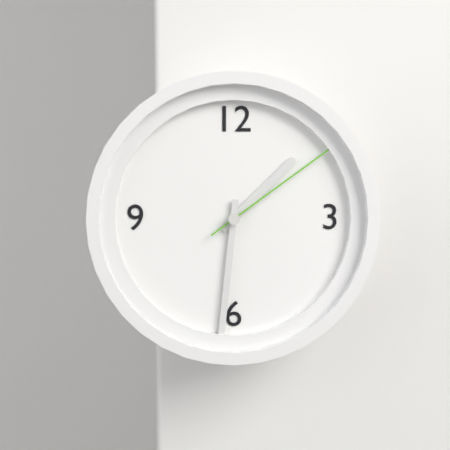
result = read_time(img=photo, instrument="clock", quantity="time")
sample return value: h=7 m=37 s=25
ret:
h=1 m=31 s=9
